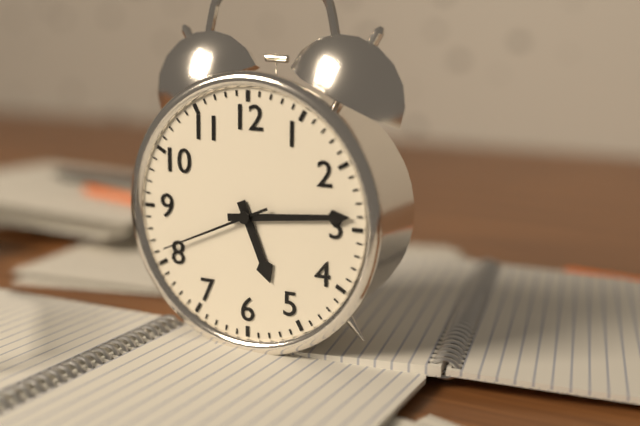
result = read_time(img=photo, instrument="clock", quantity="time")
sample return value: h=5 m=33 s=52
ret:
h=5 m=14 s=41
